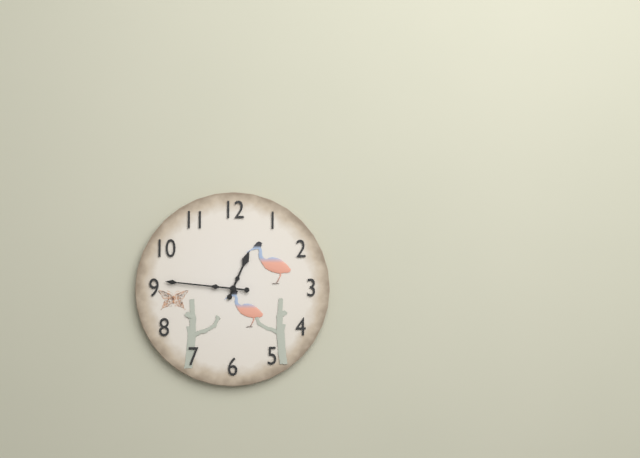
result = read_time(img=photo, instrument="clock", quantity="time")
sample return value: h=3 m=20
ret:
h=12 m=46
